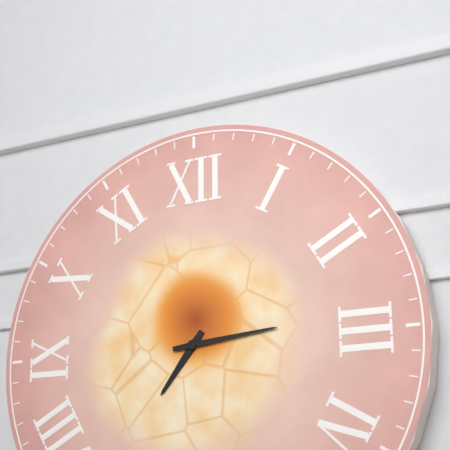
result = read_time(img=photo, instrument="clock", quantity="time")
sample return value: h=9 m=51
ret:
h=7 m=14
